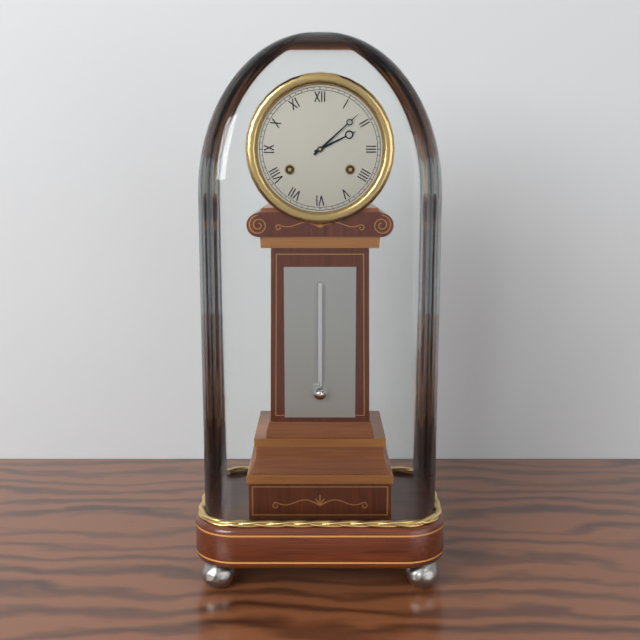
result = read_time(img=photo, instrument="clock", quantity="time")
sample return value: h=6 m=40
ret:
h=2 m=8
